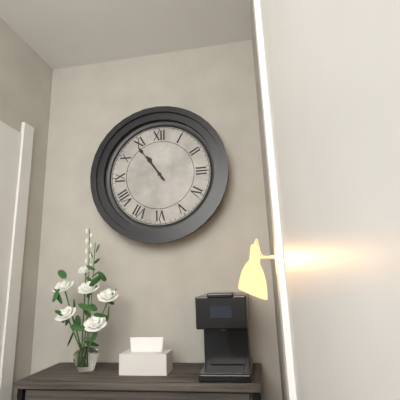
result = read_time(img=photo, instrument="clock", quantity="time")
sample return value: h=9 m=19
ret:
h=10 m=54
